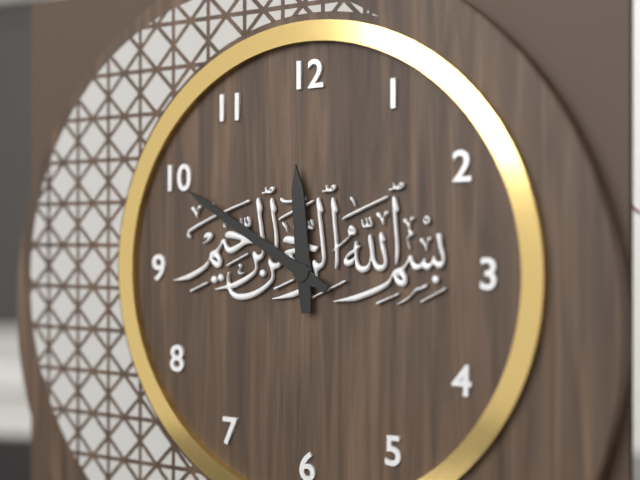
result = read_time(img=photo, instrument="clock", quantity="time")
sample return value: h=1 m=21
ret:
h=11 m=50
